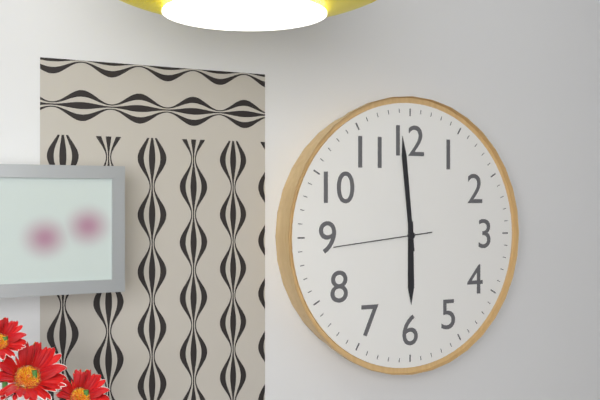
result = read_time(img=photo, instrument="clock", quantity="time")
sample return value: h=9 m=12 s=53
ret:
h=5 m=59 s=44
